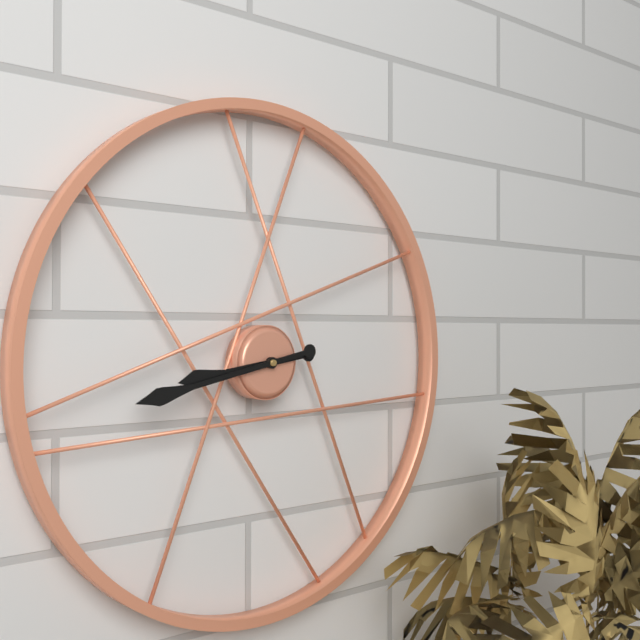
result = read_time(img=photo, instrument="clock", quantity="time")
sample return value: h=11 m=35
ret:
h=8 m=43
